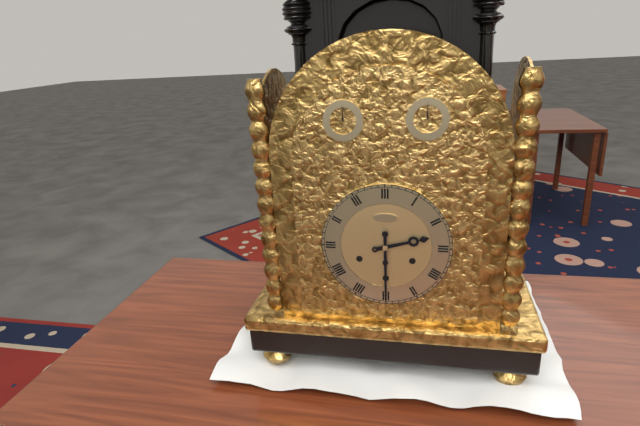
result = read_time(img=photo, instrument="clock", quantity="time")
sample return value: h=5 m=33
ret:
h=2 m=30
